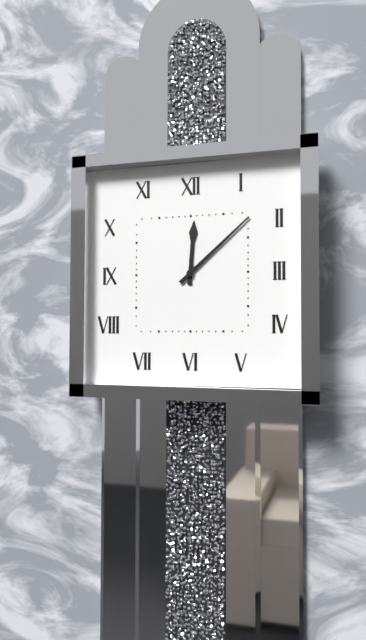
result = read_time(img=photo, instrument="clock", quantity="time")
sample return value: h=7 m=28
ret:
h=12 m=8
